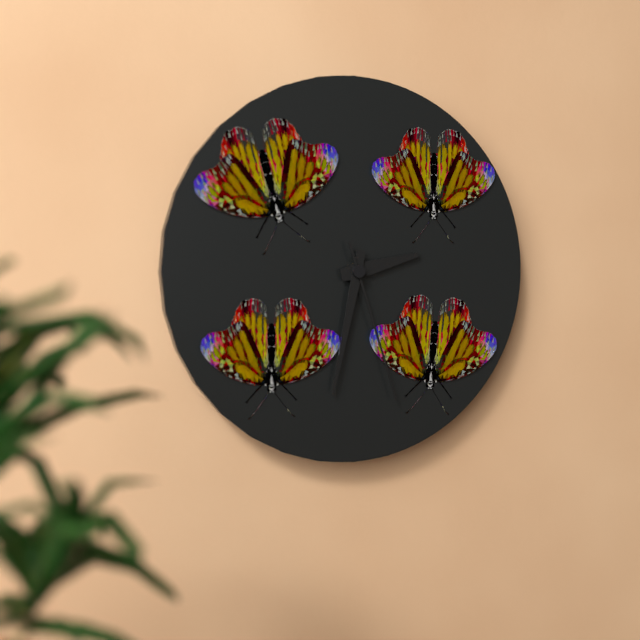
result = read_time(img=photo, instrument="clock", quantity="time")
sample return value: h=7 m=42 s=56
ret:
h=2 m=32 s=27
